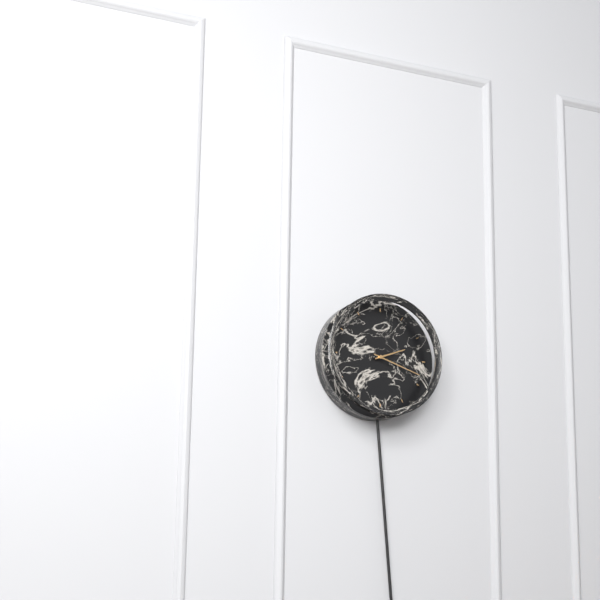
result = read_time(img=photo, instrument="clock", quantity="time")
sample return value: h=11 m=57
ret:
h=2 m=18
